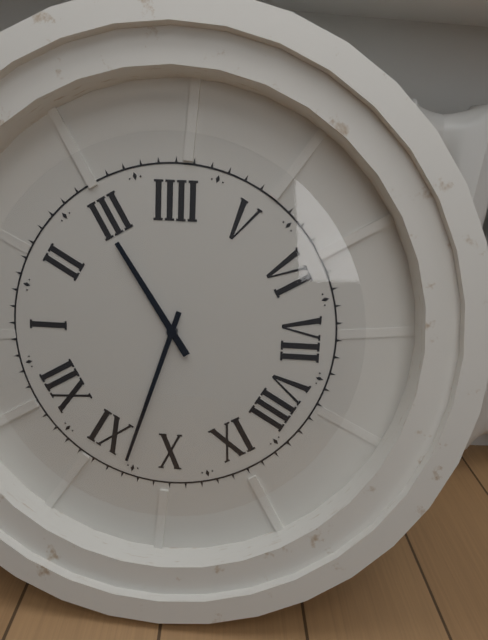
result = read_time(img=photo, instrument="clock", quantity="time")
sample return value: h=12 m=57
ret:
h=2 m=53
